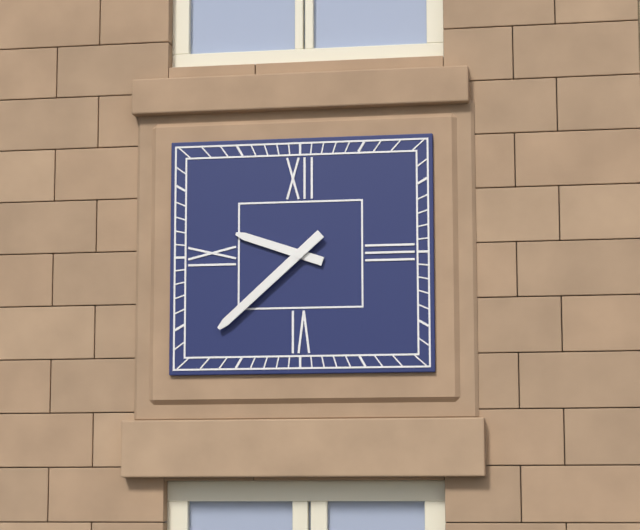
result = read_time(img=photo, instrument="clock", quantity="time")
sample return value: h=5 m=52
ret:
h=9 m=38
